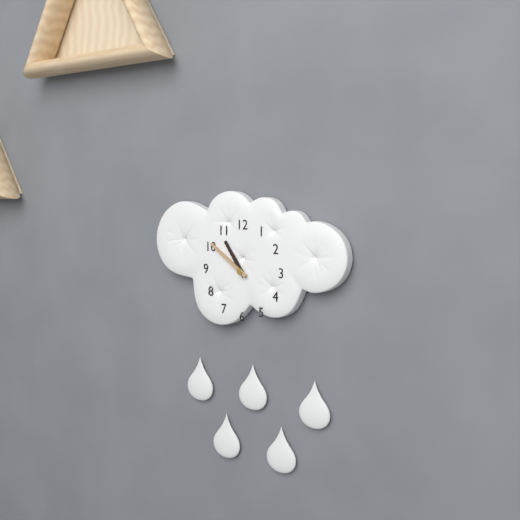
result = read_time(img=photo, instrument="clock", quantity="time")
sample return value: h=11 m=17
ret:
h=10 m=51
